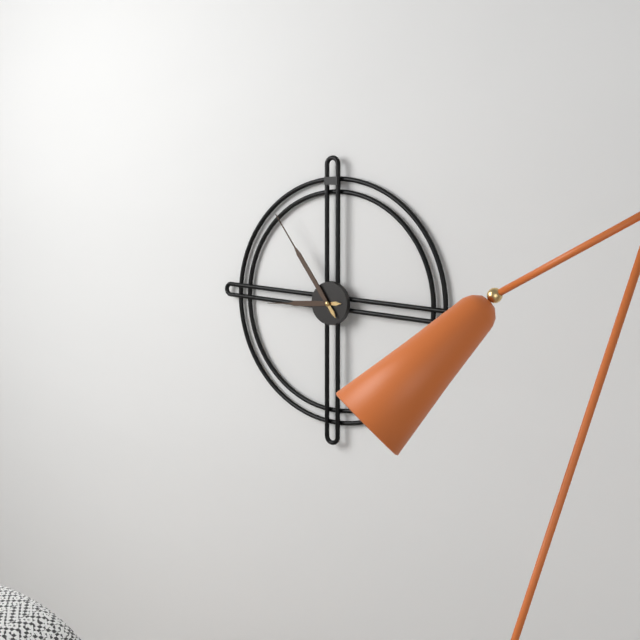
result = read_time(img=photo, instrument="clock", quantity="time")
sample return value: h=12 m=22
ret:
h=8 m=54
